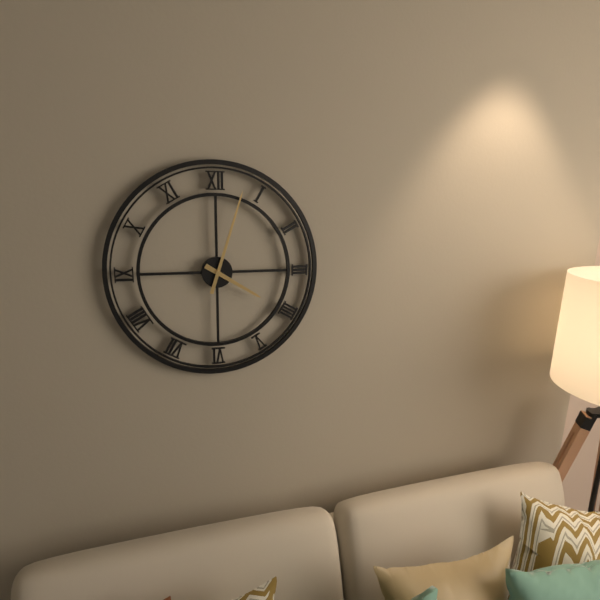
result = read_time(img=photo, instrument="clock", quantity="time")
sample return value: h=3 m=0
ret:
h=4 m=3
